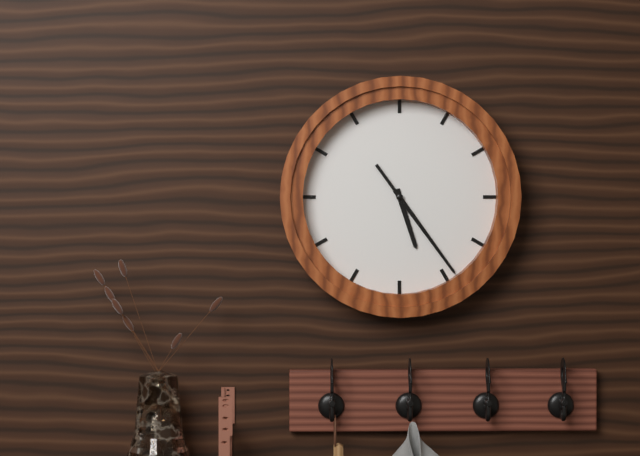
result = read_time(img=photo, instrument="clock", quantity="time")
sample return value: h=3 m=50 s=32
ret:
h=5 m=24 s=24
